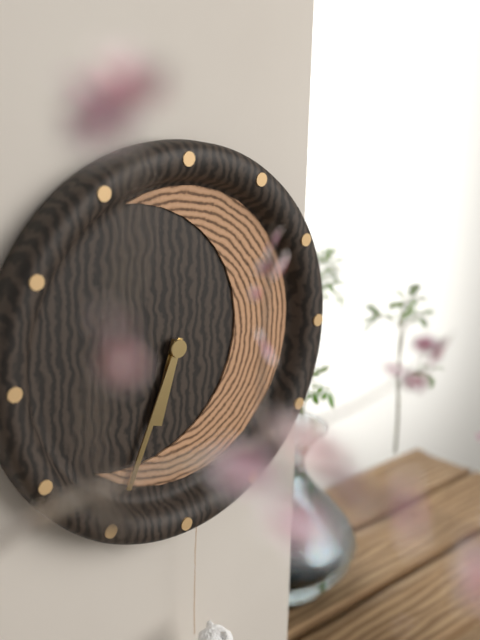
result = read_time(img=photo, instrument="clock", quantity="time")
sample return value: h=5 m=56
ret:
h=6 m=34
